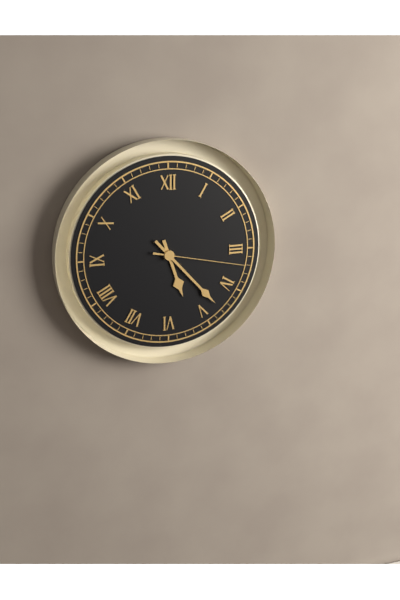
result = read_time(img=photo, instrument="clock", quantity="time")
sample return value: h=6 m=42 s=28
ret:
h=5 m=23 s=17
